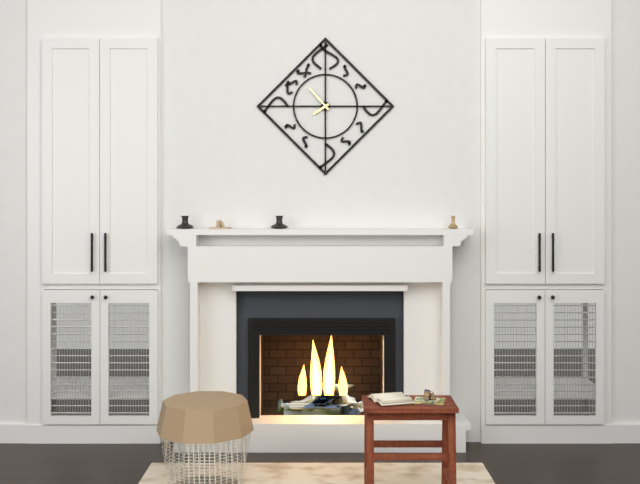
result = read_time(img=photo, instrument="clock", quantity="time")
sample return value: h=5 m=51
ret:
h=7 m=53
